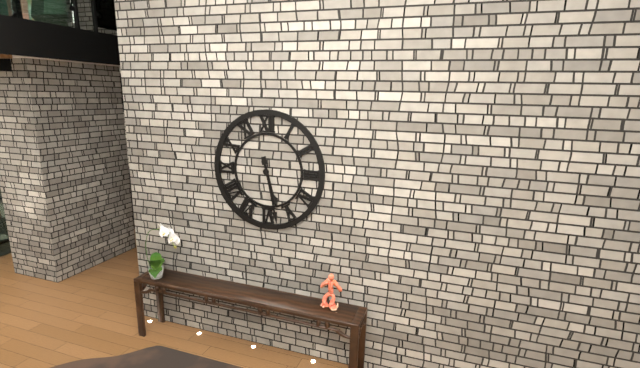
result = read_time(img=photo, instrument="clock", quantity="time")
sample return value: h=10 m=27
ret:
h=5 m=28
